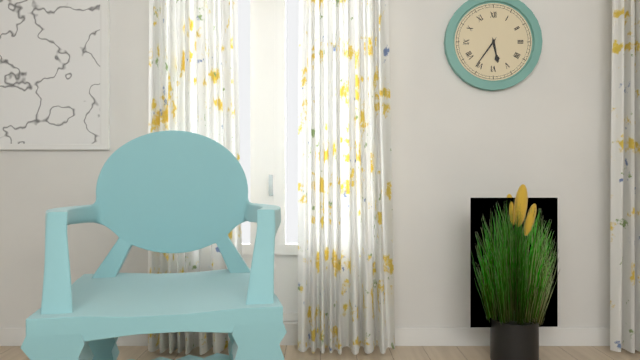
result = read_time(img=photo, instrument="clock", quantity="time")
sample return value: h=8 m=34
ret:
h=5 m=36
